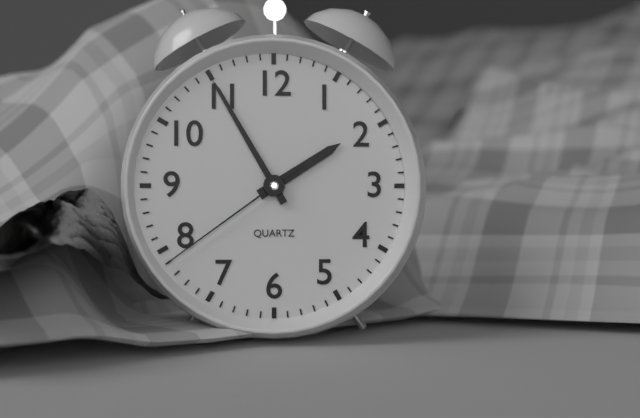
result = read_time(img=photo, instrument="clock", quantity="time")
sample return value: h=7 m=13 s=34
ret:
h=1 m=55 s=39
